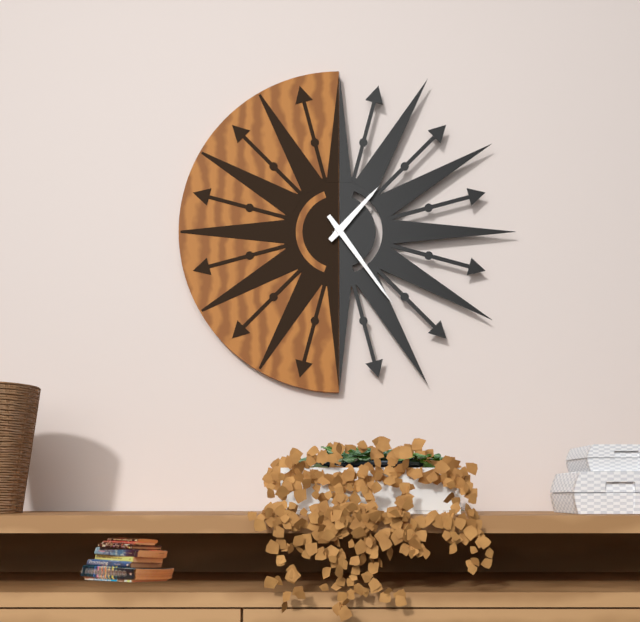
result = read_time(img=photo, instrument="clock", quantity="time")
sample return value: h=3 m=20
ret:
h=1 m=24
